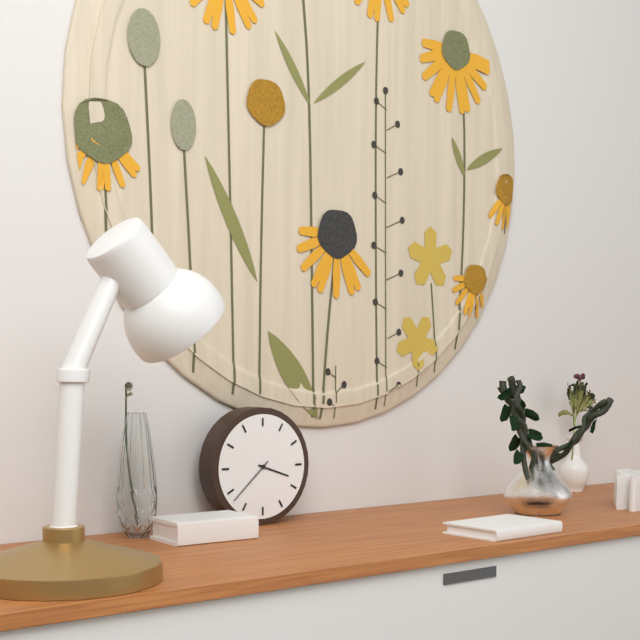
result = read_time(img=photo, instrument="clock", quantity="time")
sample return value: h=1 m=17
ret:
h=3 m=38
